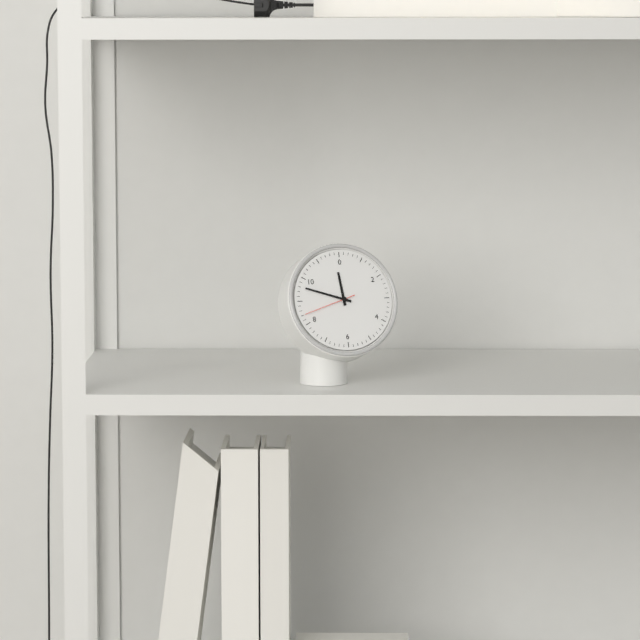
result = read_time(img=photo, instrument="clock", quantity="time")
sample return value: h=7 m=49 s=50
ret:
h=11 m=48 s=42
